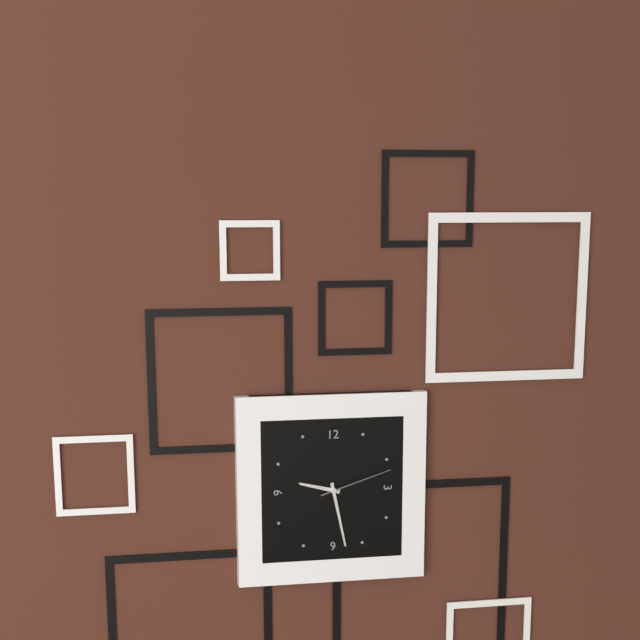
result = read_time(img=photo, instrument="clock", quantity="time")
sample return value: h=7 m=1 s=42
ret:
h=9 m=28 s=12
